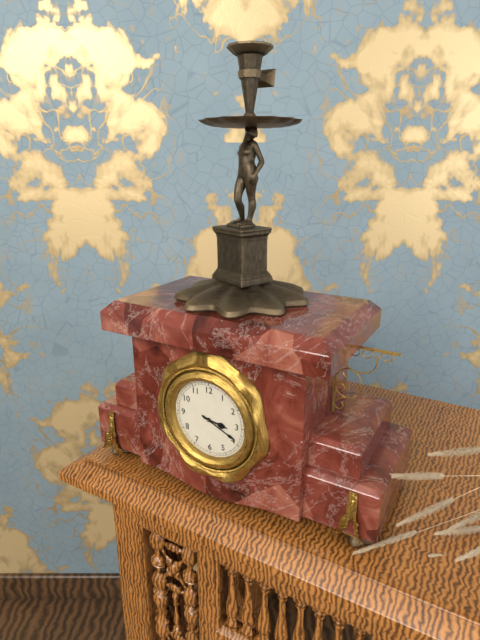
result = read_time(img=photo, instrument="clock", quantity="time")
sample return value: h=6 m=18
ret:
h=3 m=19
